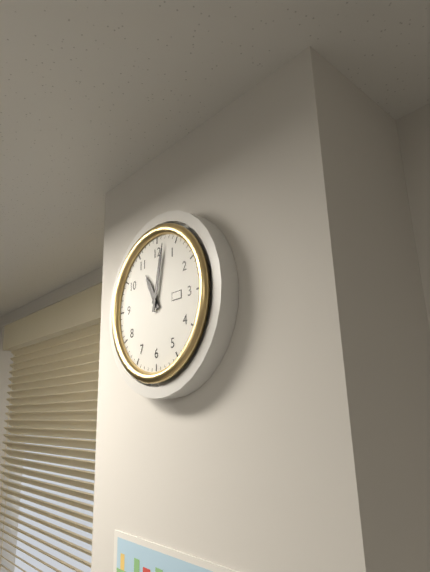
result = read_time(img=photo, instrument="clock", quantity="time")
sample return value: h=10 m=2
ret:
h=11 m=2
